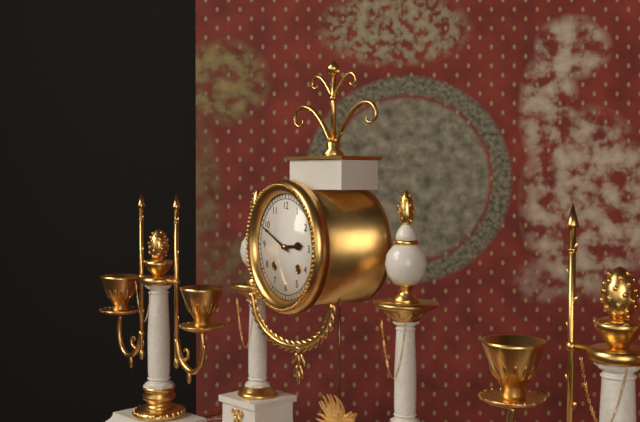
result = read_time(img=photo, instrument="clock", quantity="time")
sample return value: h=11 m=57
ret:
h=2 m=49
